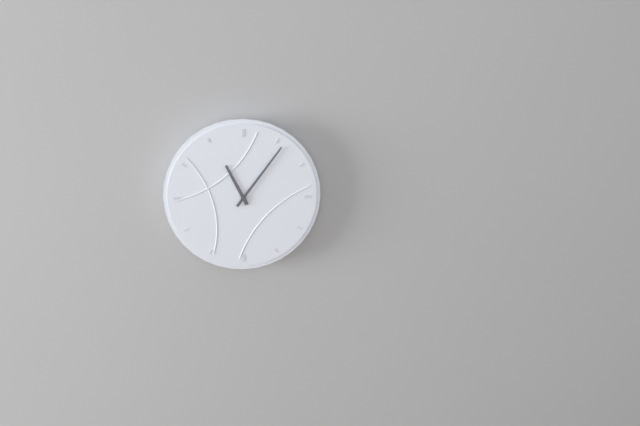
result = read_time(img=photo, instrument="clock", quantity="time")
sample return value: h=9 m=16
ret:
h=11 m=6
